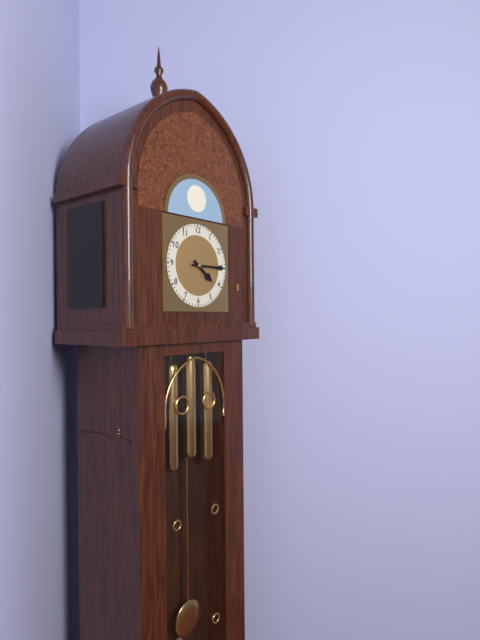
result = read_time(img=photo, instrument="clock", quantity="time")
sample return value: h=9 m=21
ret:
h=4 m=15
